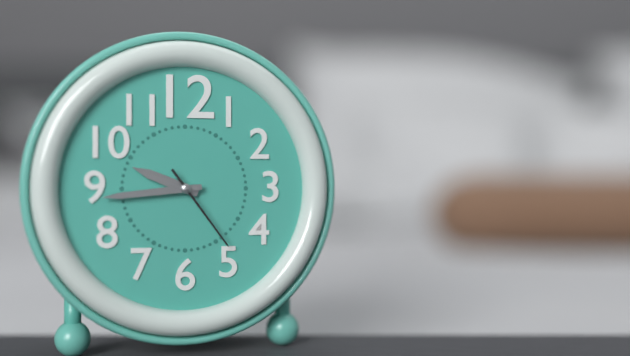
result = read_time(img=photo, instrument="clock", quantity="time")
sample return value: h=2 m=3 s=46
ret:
h=9 m=44 s=24
